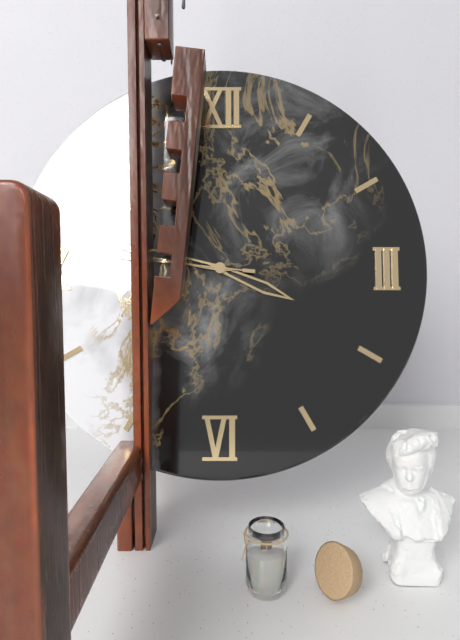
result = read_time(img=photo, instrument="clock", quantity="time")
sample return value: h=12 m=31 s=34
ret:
h=3 m=47 s=46
